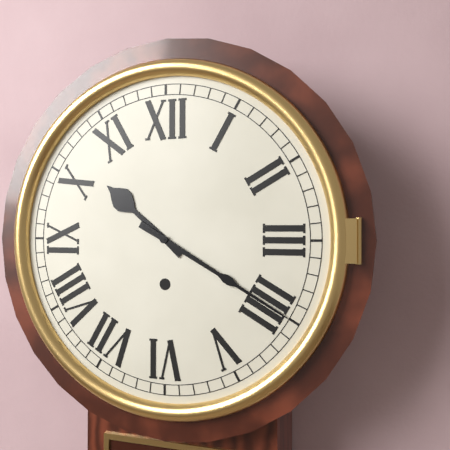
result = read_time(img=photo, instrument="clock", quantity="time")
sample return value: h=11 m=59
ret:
h=10 m=20
